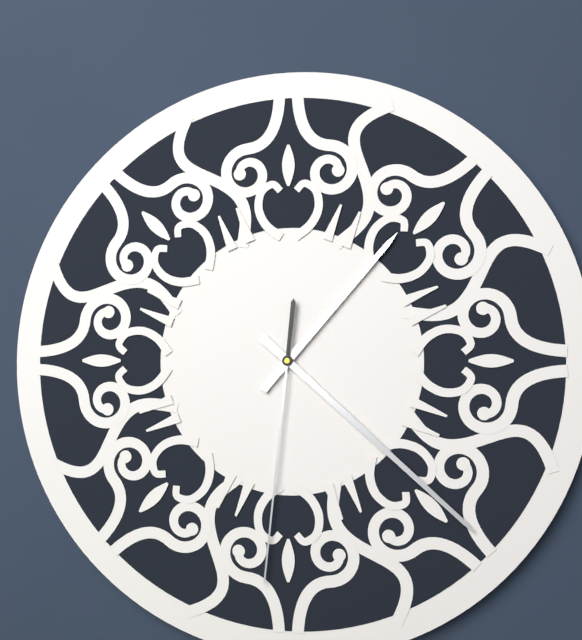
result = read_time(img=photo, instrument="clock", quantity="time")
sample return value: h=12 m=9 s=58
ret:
h=1 m=22 s=31
